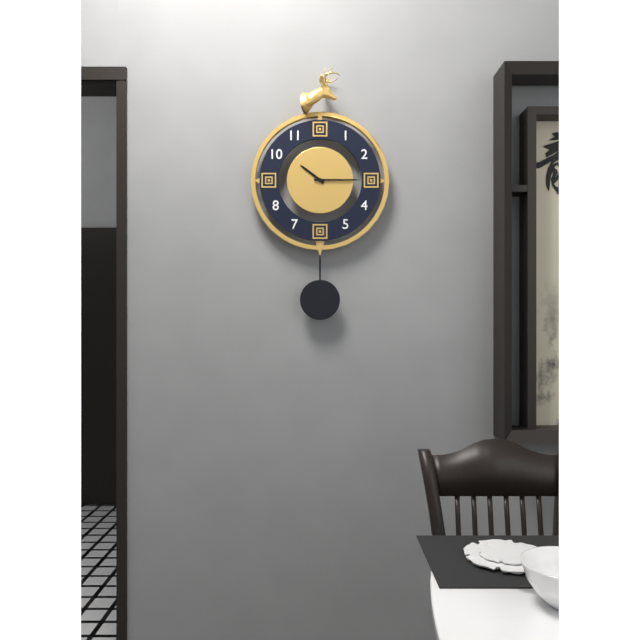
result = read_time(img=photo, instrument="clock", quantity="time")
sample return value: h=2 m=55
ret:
h=10 m=15
